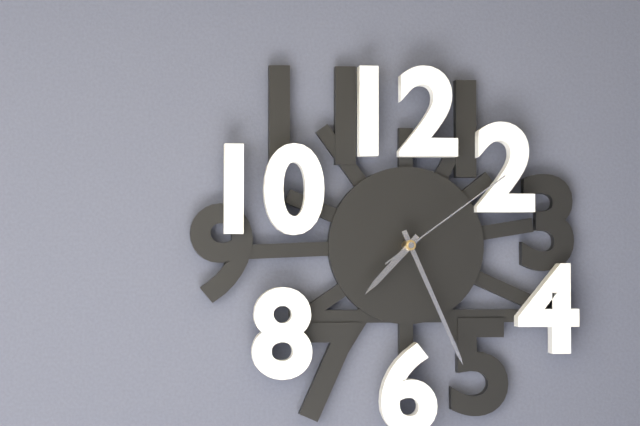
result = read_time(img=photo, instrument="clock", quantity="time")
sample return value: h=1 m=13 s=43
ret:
h=7 m=26 s=9
